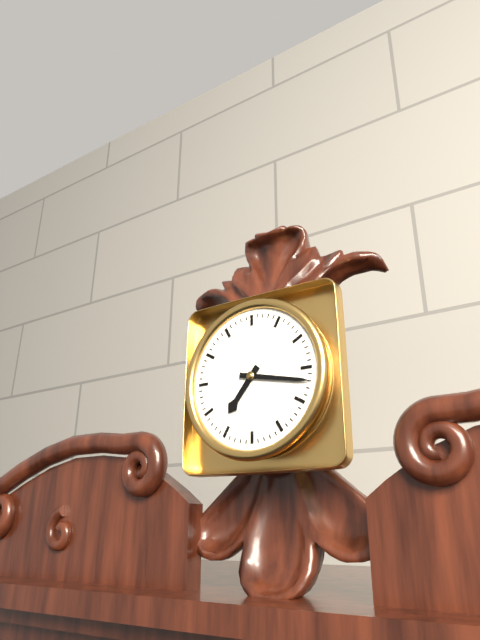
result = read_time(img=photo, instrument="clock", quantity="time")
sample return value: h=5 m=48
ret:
h=7 m=17
